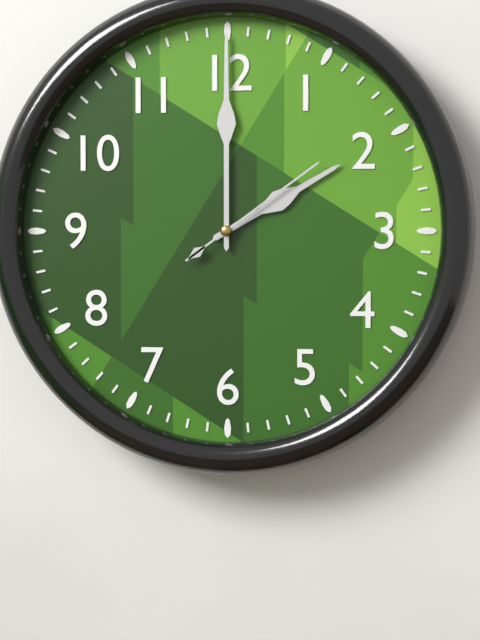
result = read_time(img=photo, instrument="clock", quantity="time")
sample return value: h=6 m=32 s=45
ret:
h=2 m=0 s=9
